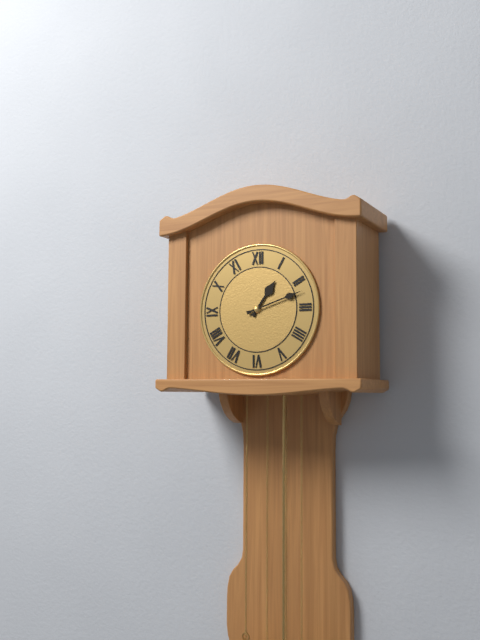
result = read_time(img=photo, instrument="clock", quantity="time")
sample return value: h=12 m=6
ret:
h=1 m=12
